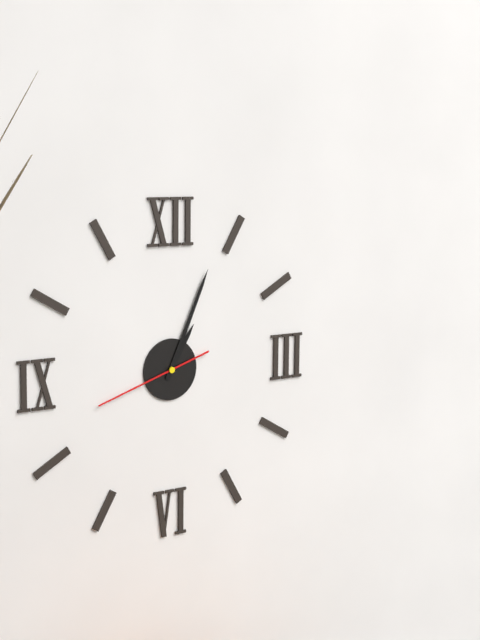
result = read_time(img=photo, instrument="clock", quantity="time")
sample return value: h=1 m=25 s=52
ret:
h=1 m=4 s=42
